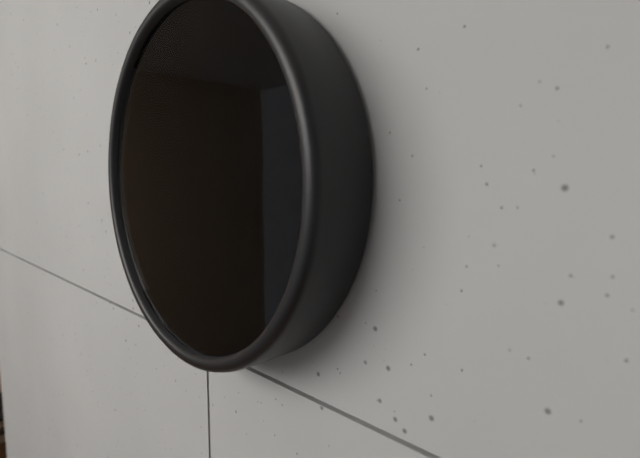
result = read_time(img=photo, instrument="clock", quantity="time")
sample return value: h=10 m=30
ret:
h=6 m=59
